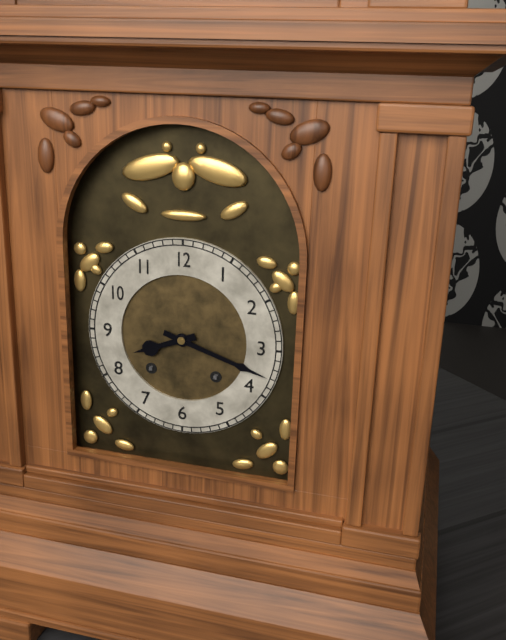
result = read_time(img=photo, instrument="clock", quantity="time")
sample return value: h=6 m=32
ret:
h=8 m=18
